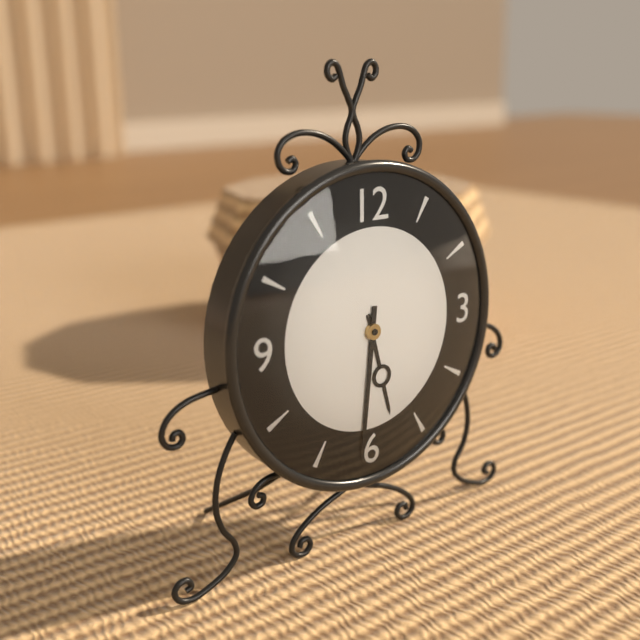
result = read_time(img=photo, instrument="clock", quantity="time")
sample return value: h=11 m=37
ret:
h=5 m=31
